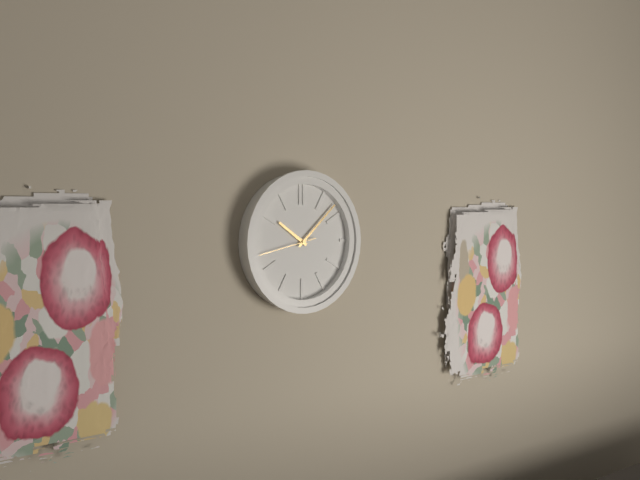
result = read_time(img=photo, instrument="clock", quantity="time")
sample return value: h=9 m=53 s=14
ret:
h=10 m=8 s=43
